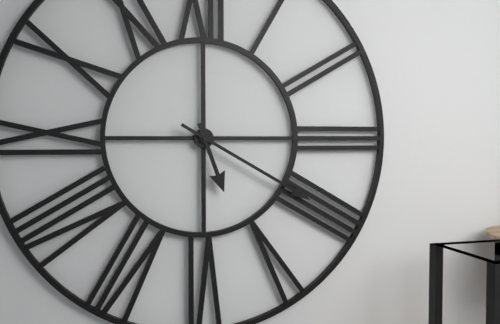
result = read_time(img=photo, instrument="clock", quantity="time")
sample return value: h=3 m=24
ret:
h=5 m=20
